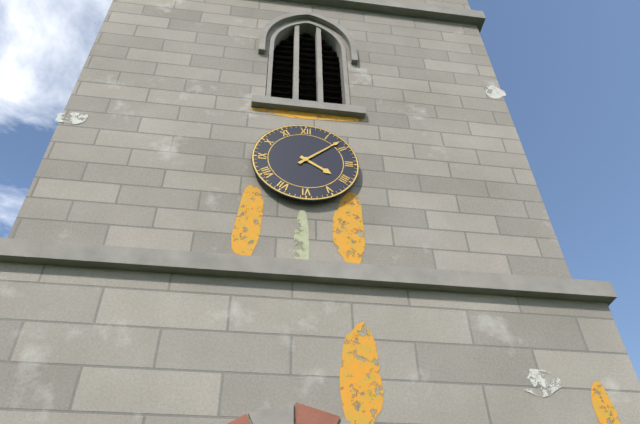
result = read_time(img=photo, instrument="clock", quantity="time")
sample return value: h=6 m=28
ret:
h=4 m=8
